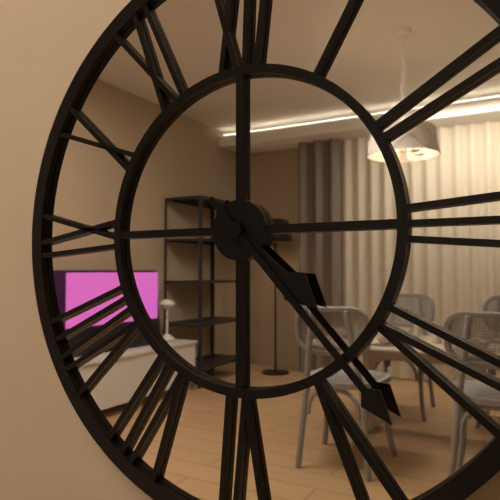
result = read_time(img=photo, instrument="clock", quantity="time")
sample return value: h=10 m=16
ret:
h=4 m=23
